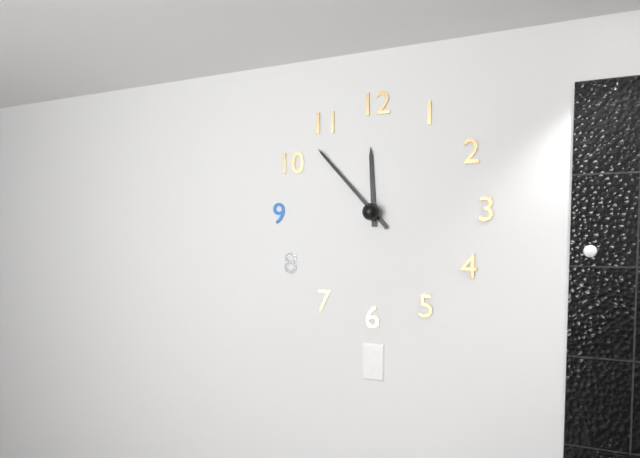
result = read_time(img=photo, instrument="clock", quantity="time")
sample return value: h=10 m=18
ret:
h=11 m=53
